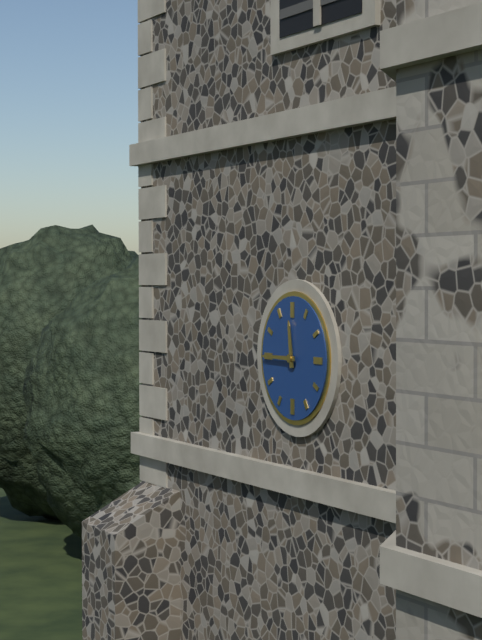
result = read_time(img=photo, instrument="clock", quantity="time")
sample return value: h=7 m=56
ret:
h=11 m=45
